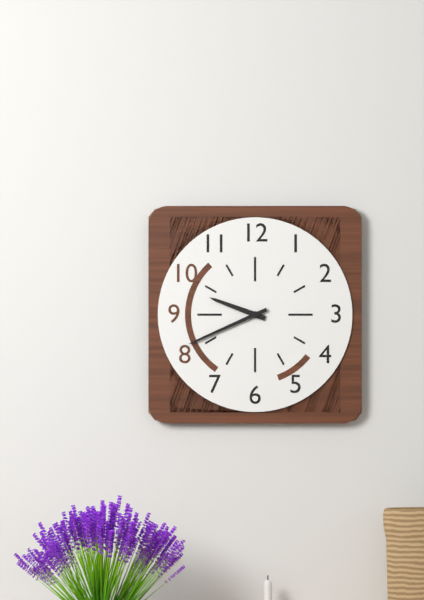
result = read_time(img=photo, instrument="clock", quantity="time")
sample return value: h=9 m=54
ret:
h=9 m=41
